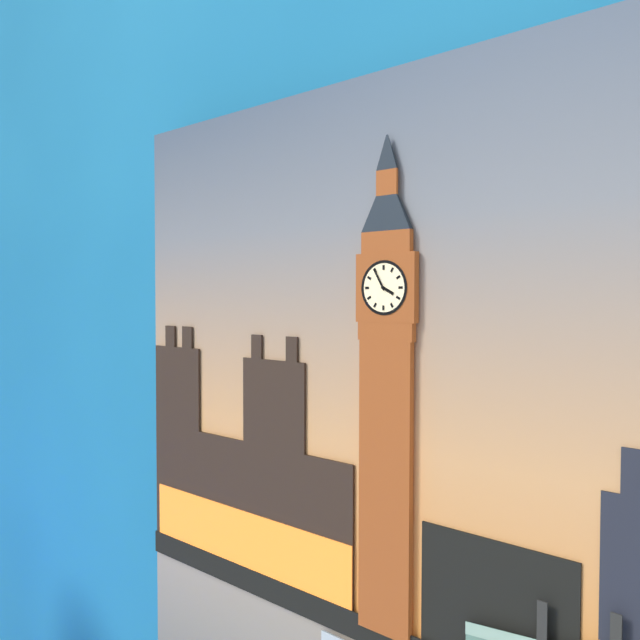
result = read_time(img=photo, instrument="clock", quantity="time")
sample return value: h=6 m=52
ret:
h=3 m=55
